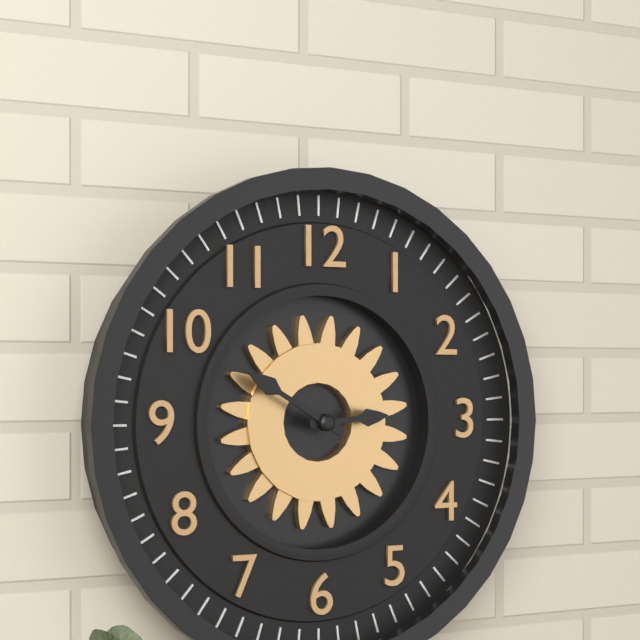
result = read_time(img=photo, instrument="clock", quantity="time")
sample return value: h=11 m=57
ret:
h=2 m=50
